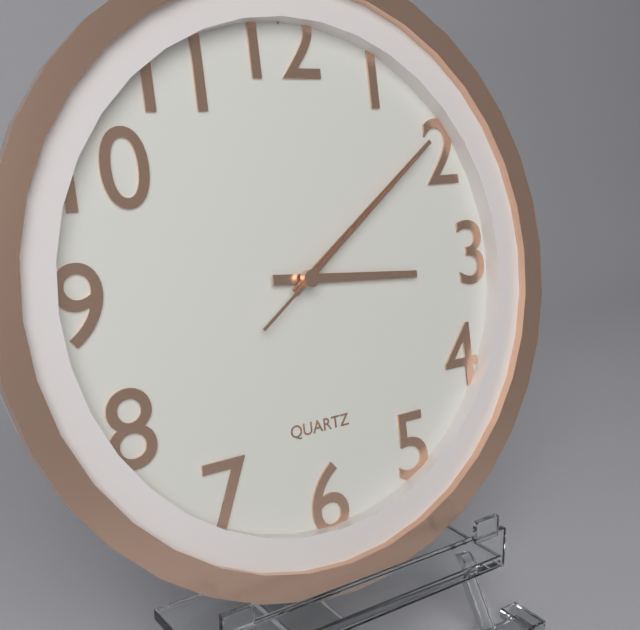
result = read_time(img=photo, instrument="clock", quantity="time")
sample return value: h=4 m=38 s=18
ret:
h=3 m=9 s=9
